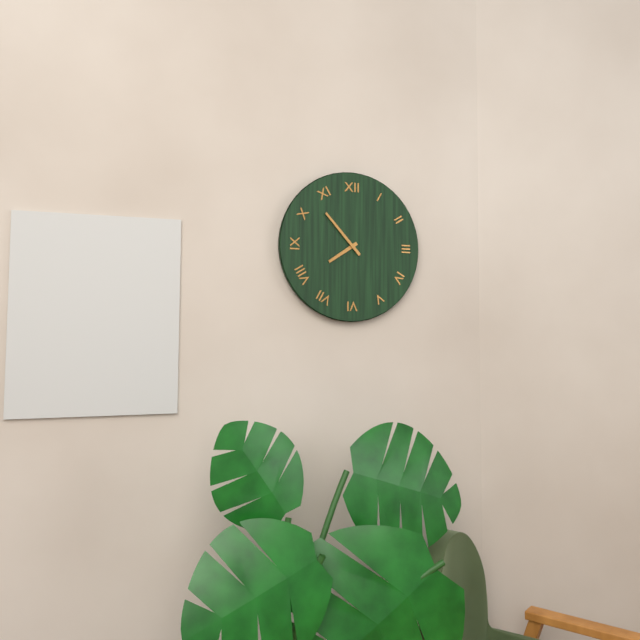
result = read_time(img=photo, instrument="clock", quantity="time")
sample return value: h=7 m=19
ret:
h=7 m=53
